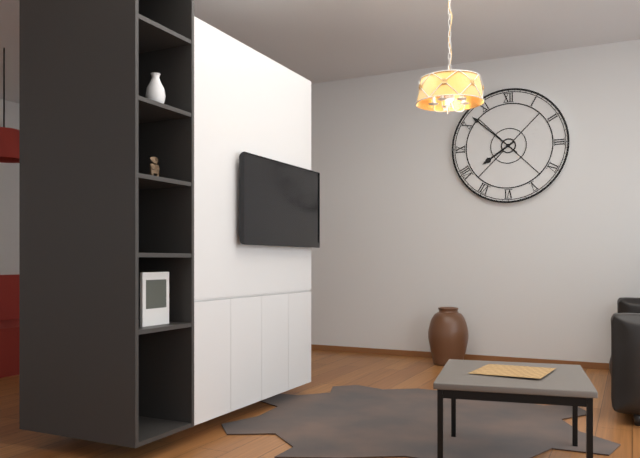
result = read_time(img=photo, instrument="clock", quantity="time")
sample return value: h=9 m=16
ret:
h=7 m=52
